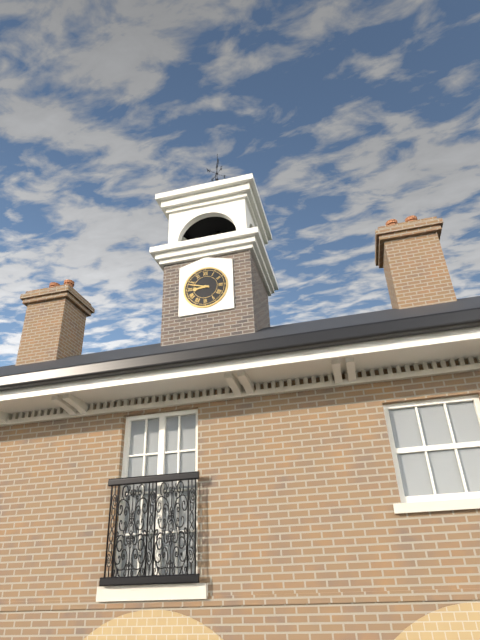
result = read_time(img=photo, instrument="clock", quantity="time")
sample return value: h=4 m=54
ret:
h=8 m=48
